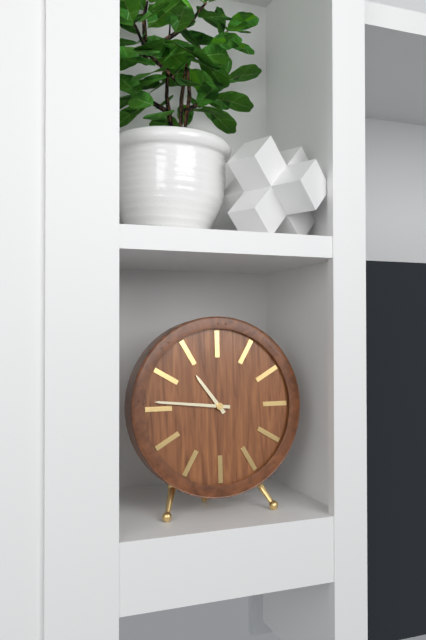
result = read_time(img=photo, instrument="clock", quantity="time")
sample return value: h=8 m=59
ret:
h=10 m=46
